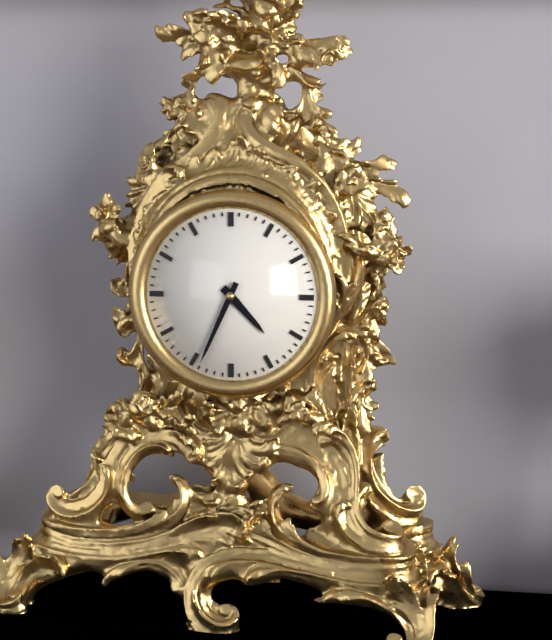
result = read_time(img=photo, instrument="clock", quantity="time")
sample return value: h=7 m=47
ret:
h=4 m=34
